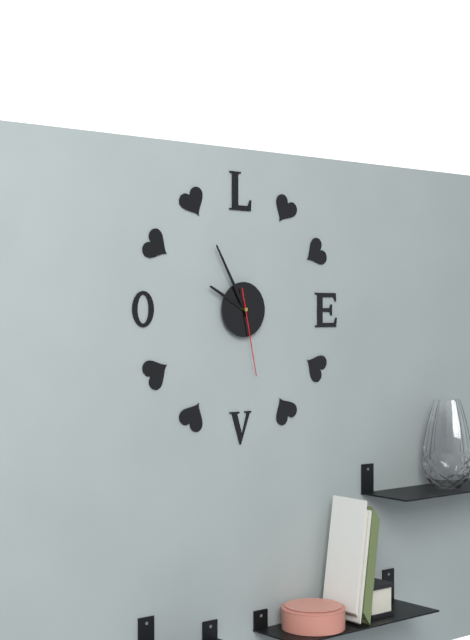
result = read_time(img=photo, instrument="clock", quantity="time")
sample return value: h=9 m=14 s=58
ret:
h=9 m=55 s=28
